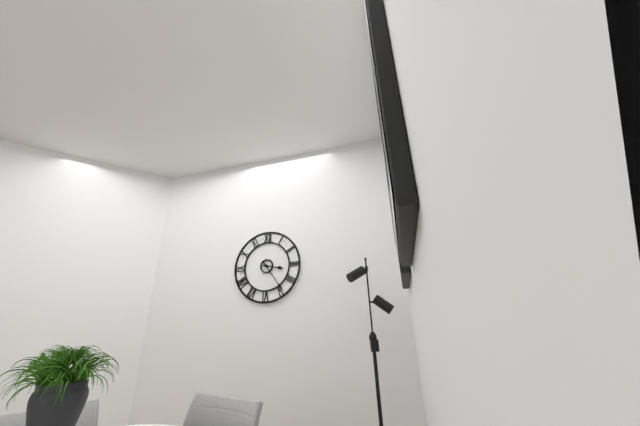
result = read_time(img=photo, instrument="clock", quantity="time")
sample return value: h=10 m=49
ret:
h=3 m=24
